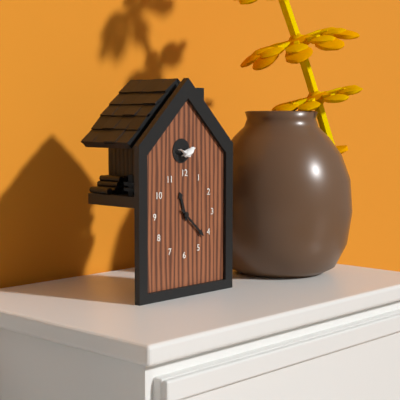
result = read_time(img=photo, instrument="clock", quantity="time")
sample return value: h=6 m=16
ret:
h=11 m=22
